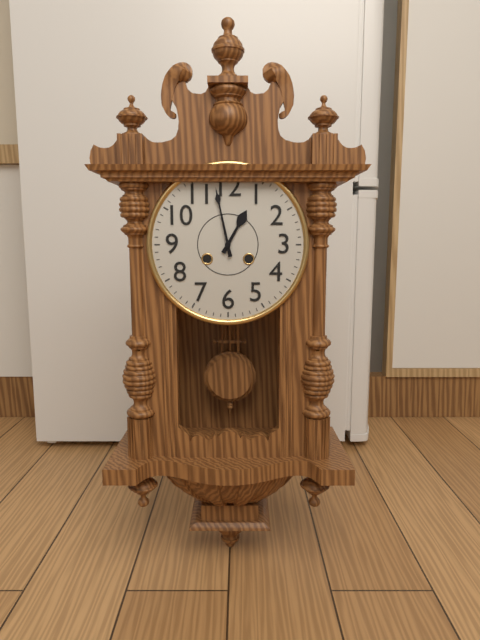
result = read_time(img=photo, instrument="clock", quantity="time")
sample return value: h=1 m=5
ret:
h=12 m=58
